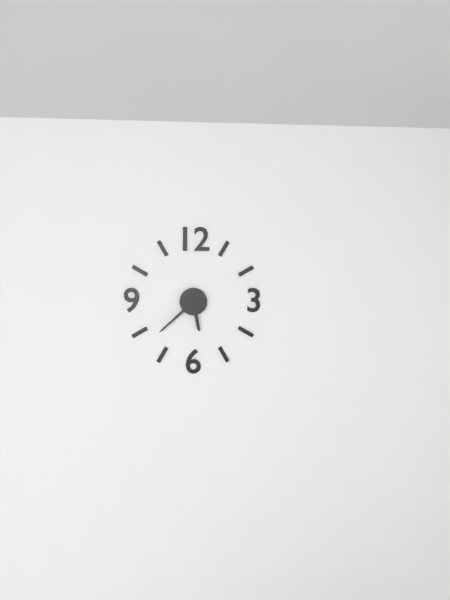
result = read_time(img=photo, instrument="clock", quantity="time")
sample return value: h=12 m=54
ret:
h=5 m=38
